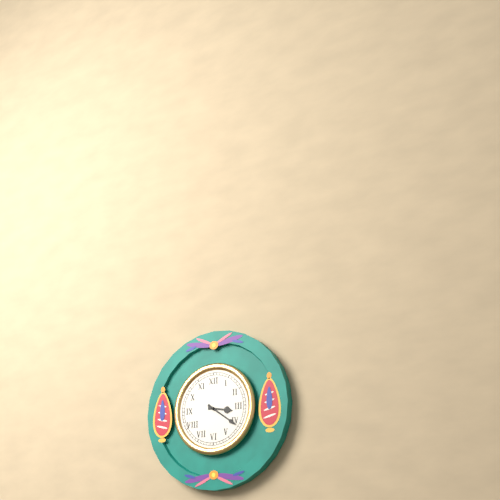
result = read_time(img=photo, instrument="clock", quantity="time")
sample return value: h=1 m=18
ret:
h=3 m=21
